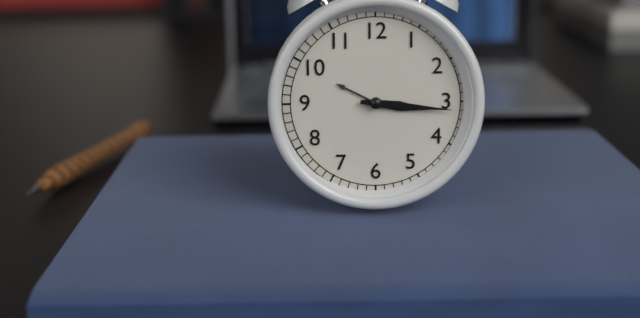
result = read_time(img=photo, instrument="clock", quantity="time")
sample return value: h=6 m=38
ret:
h=3 m=16
